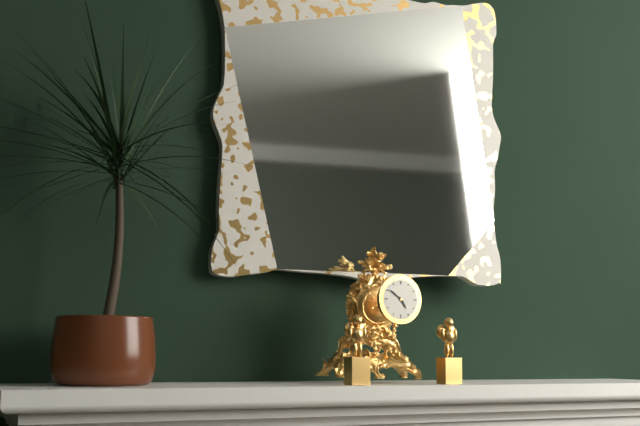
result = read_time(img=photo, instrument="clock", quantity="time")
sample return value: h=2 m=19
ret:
h=4 m=51
